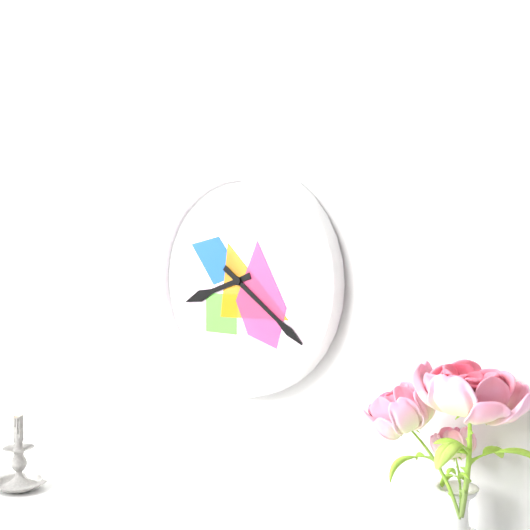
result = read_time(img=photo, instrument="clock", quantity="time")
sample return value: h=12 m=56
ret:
h=8 m=21
